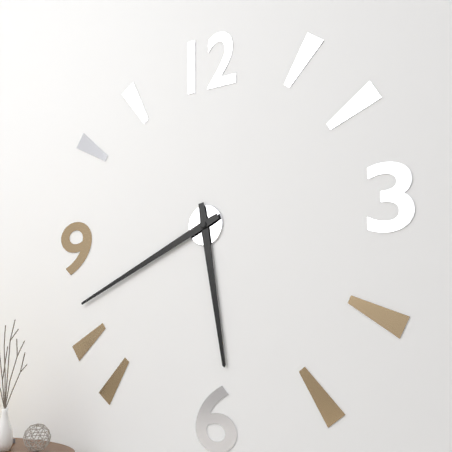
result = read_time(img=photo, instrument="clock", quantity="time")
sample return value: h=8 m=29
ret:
h=5 m=41
